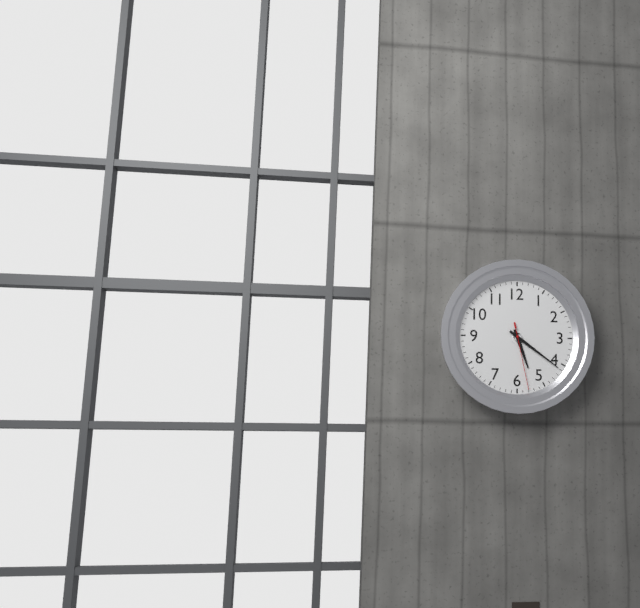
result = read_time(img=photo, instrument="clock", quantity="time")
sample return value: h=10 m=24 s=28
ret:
h=5 m=21 s=28
